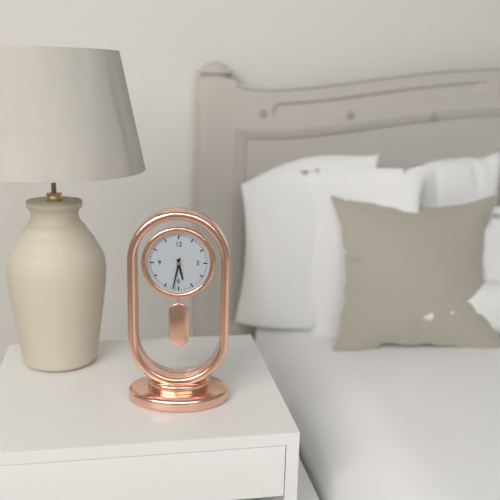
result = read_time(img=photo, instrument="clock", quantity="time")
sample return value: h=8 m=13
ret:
h=5 m=32
